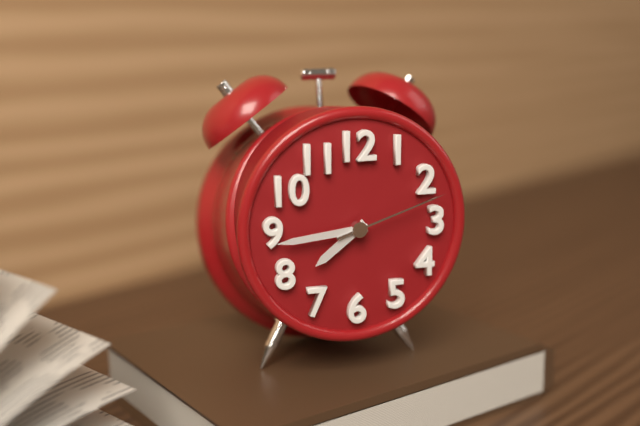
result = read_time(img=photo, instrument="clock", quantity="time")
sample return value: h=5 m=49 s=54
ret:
h=7 m=44 s=12
